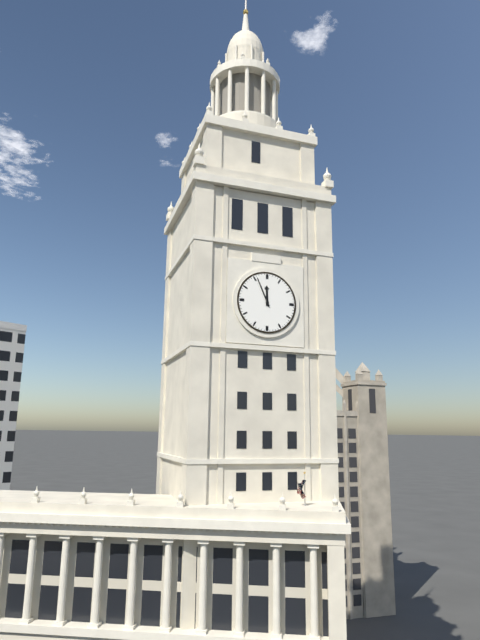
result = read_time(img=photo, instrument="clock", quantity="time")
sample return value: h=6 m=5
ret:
h=11 m=56
